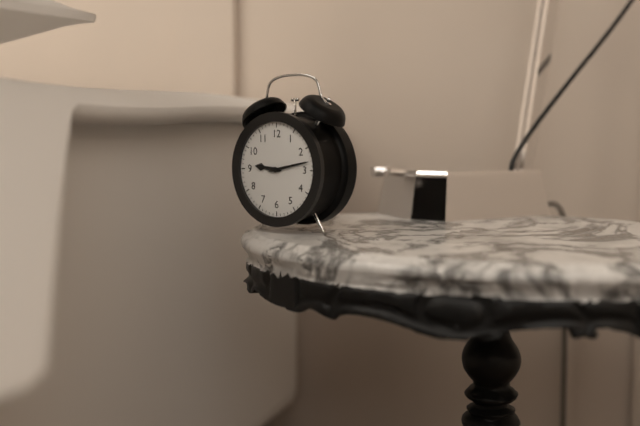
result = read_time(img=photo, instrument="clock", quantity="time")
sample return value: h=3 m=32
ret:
h=9 m=13
